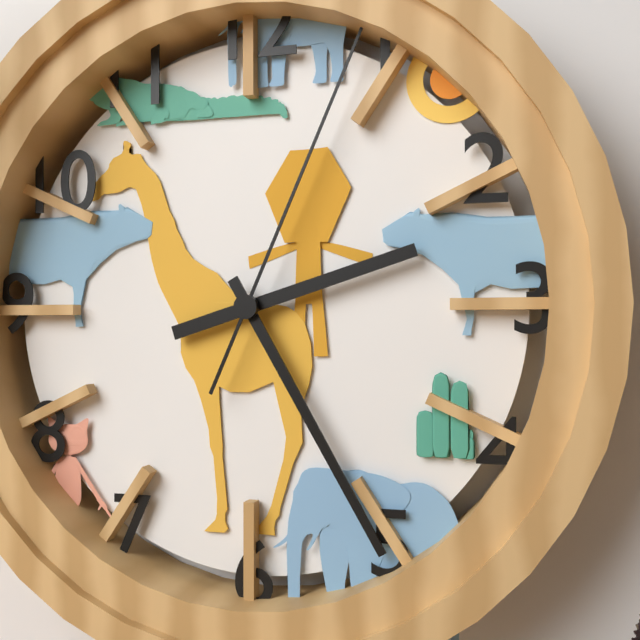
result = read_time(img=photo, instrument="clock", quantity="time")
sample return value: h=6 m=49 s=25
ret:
h=2 m=25 s=4
